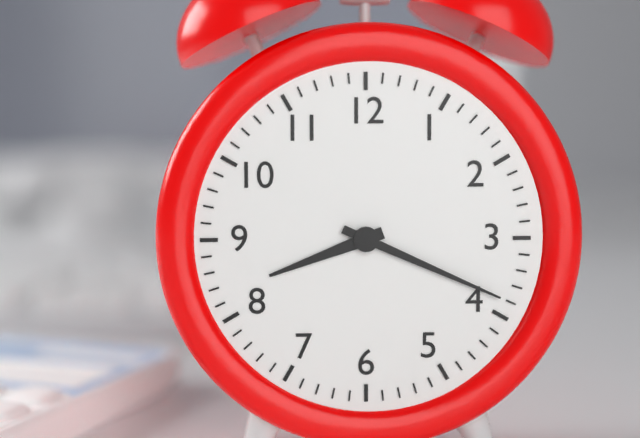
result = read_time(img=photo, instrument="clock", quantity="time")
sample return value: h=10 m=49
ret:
h=8 m=19
